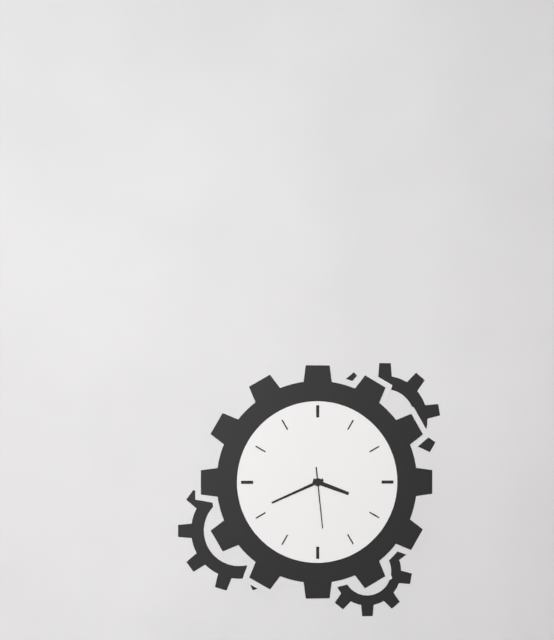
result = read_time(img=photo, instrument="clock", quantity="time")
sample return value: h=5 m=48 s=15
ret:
h=3 m=41 s=29
